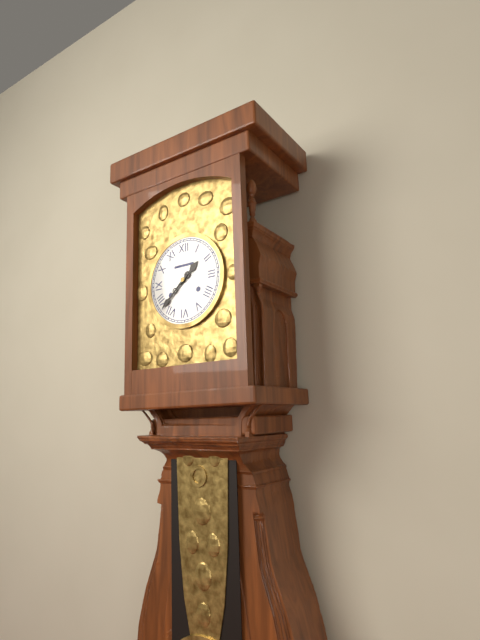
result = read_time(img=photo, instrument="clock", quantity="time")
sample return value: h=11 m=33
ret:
h=1 m=38
